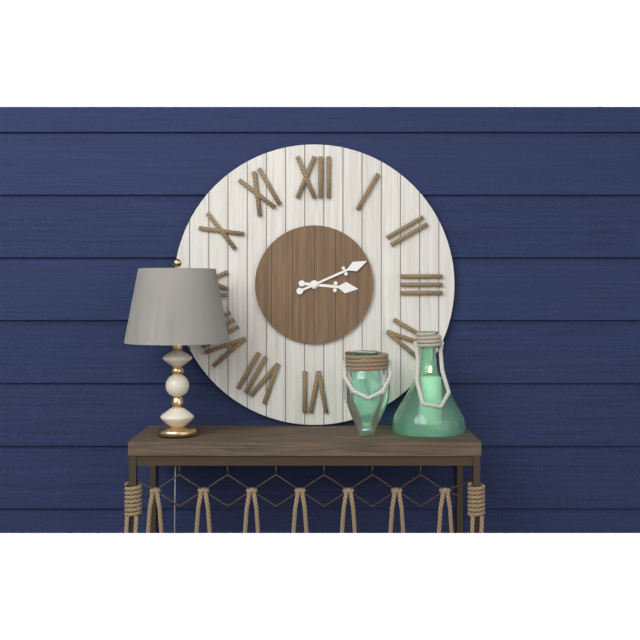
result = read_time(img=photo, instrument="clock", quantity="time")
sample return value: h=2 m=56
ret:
h=3 m=11
